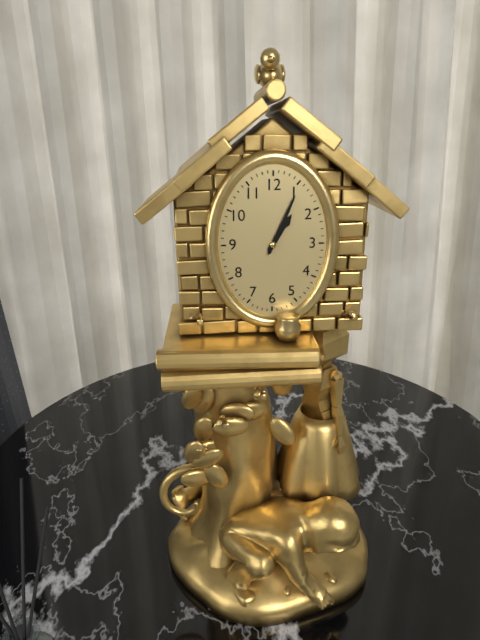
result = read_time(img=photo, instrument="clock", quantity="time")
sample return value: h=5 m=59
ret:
h=1 m=4
